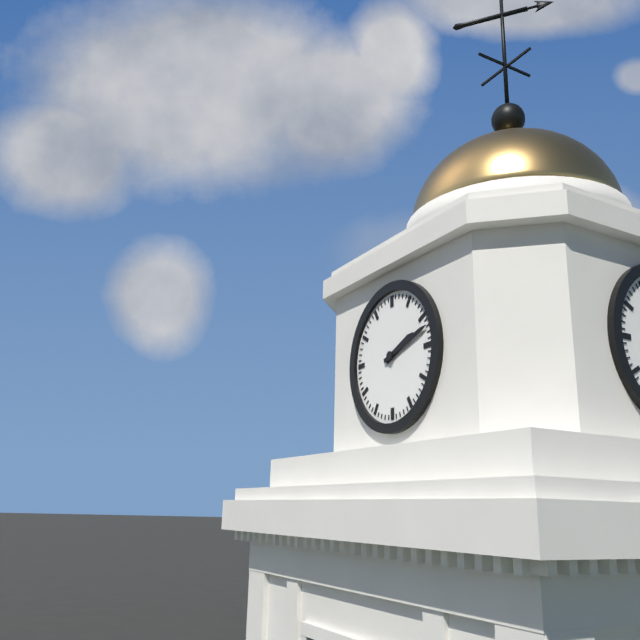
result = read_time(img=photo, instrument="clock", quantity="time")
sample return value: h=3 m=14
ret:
h=2 m=12
